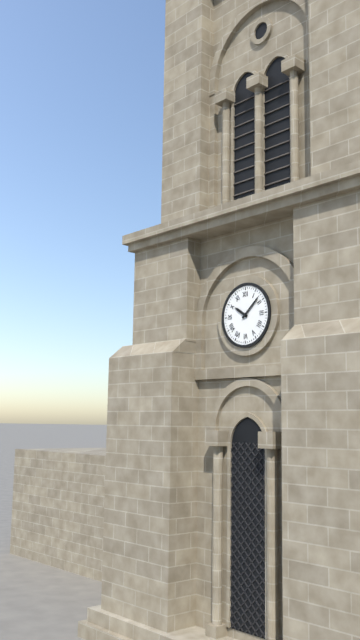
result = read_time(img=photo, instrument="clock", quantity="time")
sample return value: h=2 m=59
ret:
h=10 m=8
